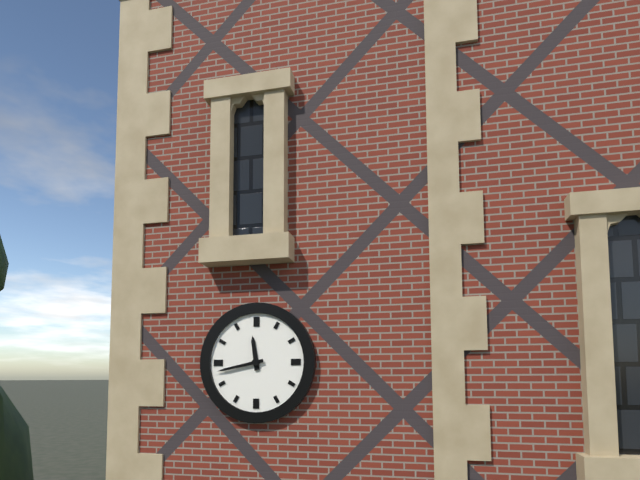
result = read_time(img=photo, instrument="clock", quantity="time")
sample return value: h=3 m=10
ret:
h=11 m=43
